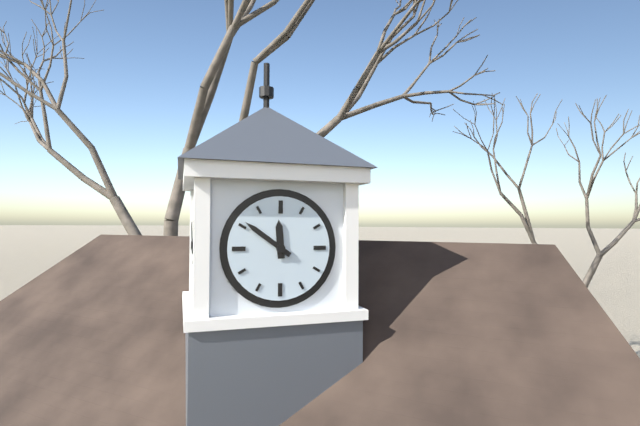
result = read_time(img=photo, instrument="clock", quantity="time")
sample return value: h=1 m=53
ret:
h=11 m=51
